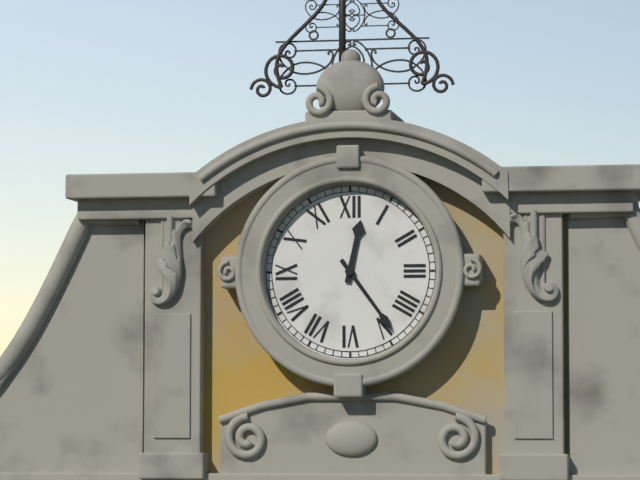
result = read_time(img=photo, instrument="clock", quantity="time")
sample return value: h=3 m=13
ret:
h=12 m=24
